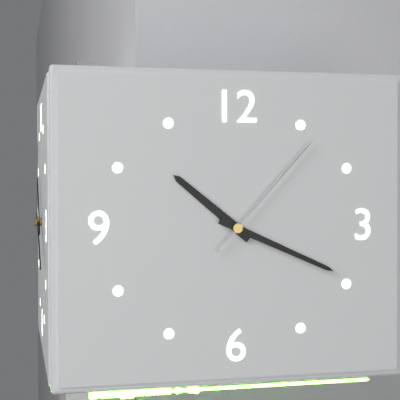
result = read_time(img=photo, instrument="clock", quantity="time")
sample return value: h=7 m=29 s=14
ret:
h=10 m=19 s=7
